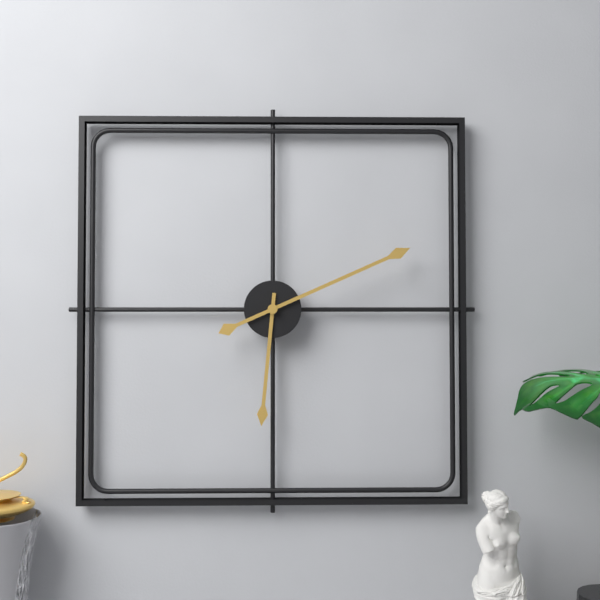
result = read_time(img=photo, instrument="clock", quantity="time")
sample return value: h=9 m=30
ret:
h=6 m=11
